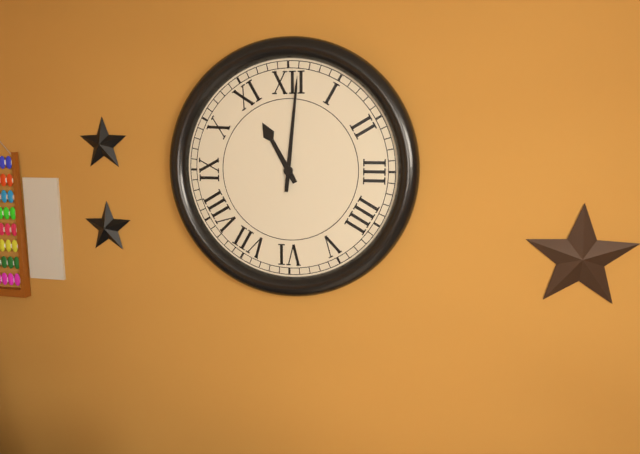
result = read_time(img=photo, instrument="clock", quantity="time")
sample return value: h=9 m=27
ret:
h=11 m=1
